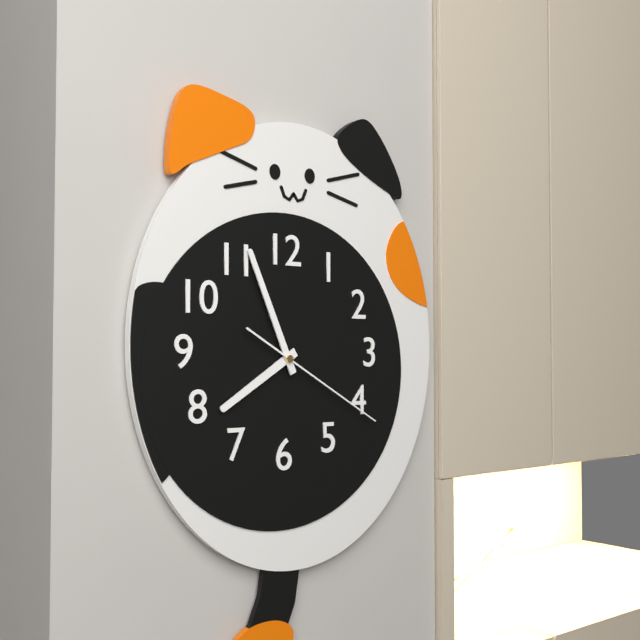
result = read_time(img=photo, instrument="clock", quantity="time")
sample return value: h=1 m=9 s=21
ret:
h=7 m=56 s=20
